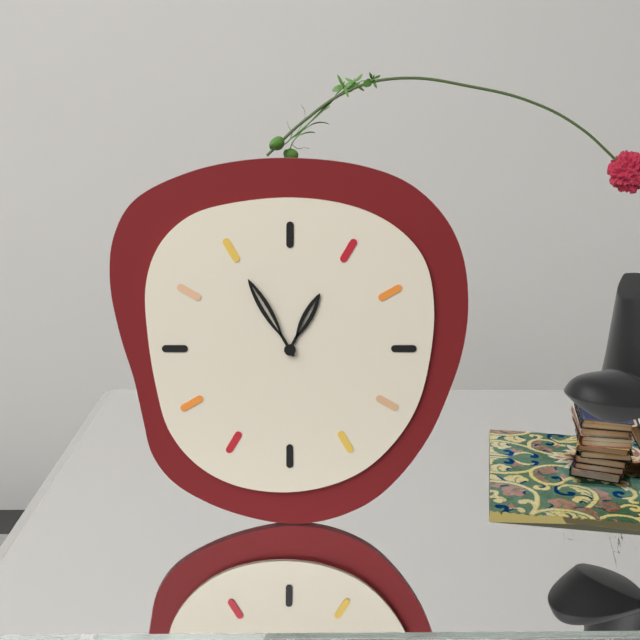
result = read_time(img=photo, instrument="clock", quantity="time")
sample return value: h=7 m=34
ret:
h=12 m=55
